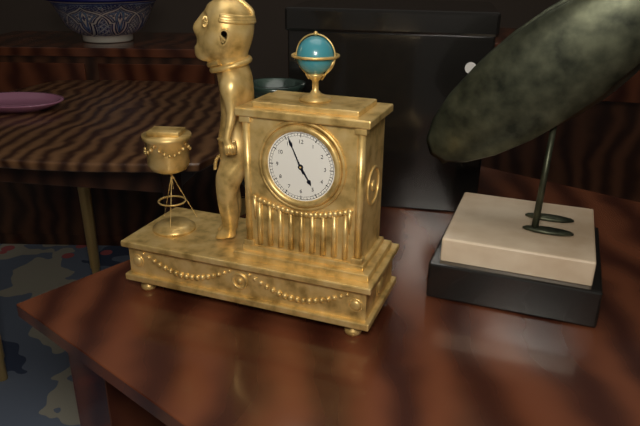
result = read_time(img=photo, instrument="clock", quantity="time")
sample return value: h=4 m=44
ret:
h=4 m=56
